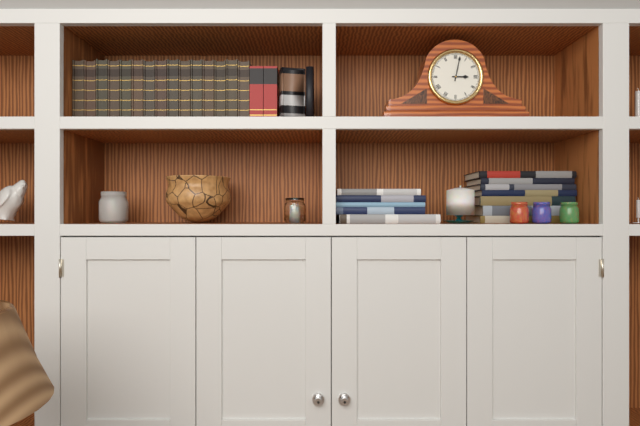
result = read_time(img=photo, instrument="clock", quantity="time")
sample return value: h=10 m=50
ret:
h=3 m=2
